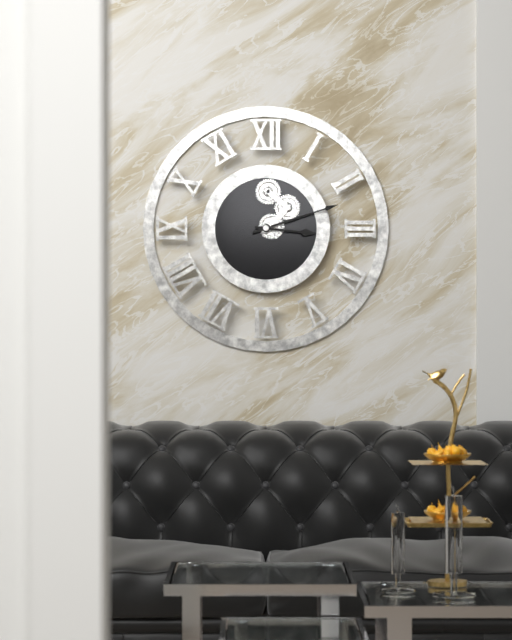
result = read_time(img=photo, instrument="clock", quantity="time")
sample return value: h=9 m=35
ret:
h=3 m=12
